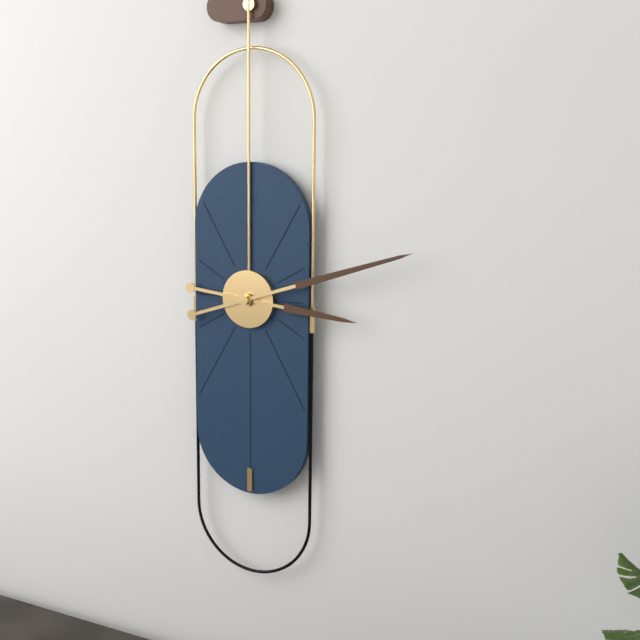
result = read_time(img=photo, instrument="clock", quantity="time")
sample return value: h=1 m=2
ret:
h=3 m=12
